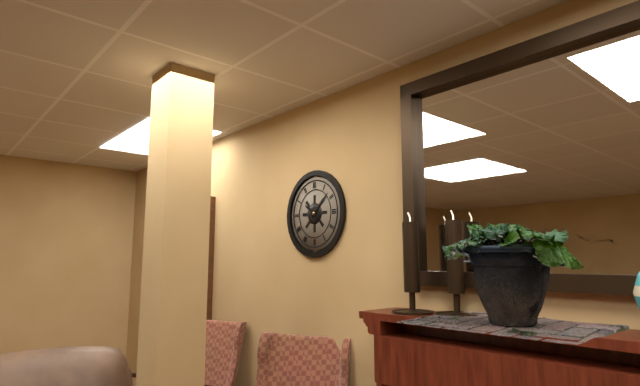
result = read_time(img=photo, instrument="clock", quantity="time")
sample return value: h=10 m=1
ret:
h=10 m=8
